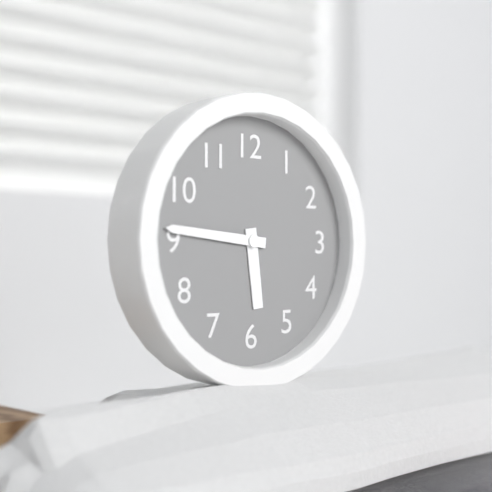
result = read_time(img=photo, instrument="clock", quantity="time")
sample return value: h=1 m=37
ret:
h=5 m=46
